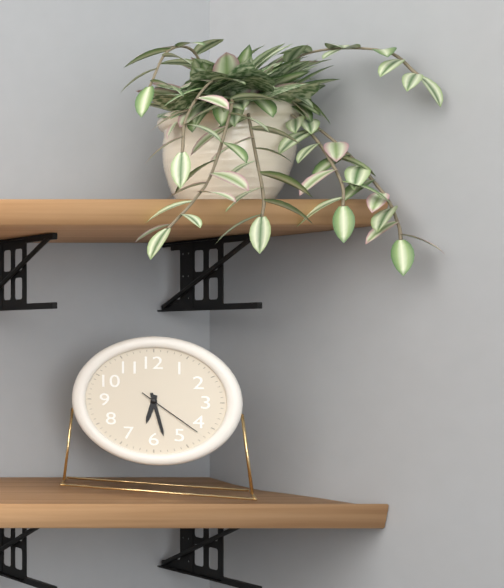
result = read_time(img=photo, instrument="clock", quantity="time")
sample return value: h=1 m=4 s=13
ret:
h=6 m=28 s=22
